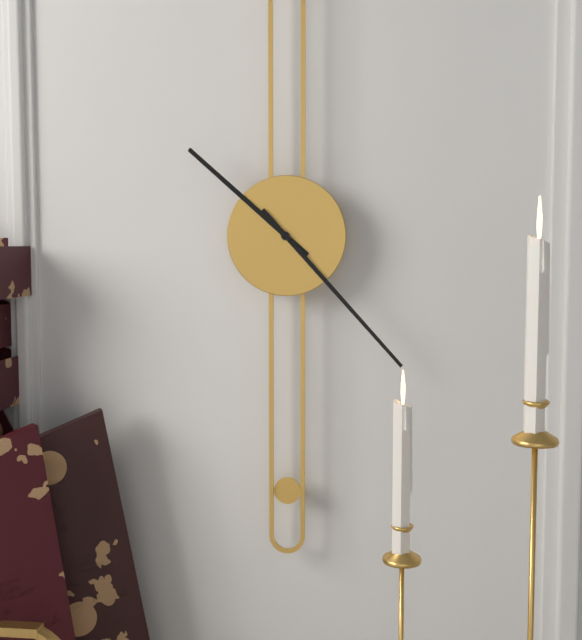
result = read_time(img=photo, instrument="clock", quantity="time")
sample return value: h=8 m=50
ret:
h=10 m=23
